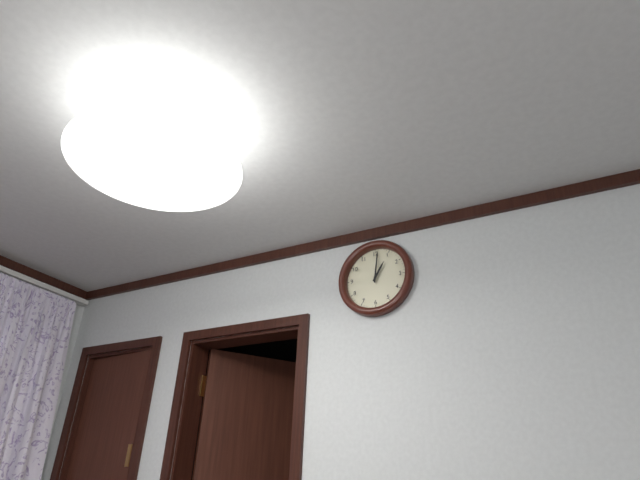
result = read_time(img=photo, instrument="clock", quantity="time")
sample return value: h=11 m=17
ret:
h=1 m=1
